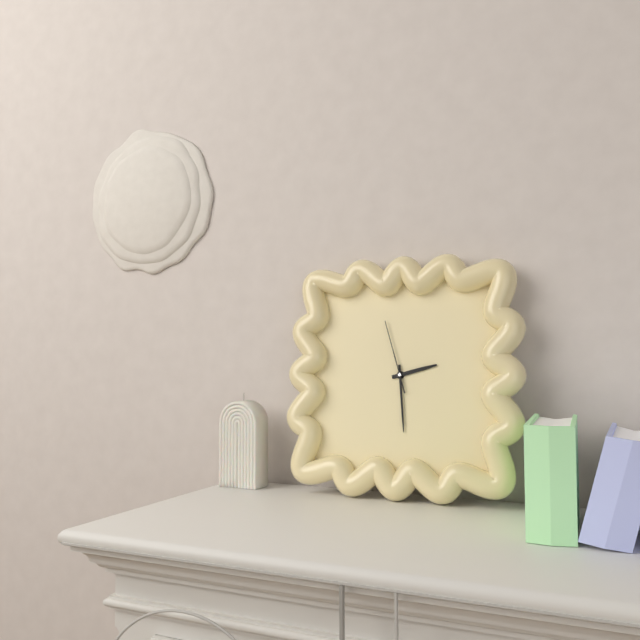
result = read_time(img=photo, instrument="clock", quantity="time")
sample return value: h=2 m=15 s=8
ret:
h=2 m=29 s=57
